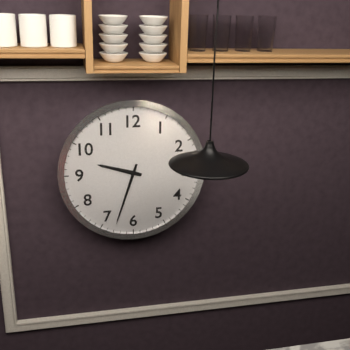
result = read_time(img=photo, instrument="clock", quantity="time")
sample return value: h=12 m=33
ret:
h=9 m=33
